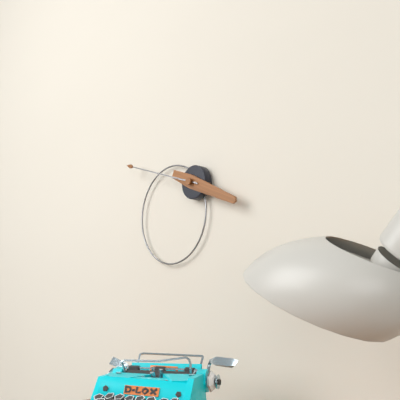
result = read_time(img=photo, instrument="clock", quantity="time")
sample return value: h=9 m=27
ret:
h=3 m=48
